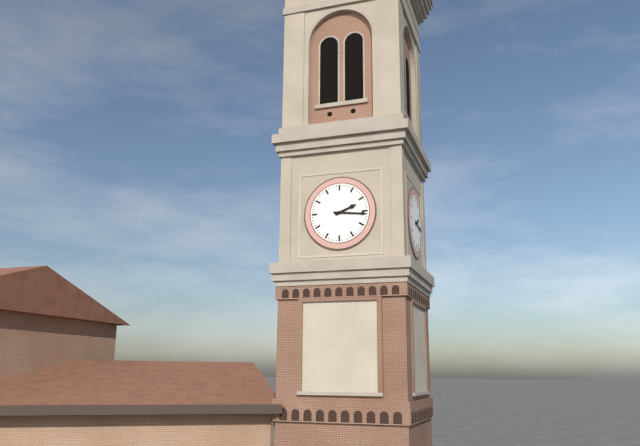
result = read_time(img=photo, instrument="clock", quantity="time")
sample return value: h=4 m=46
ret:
h=2 m=16
